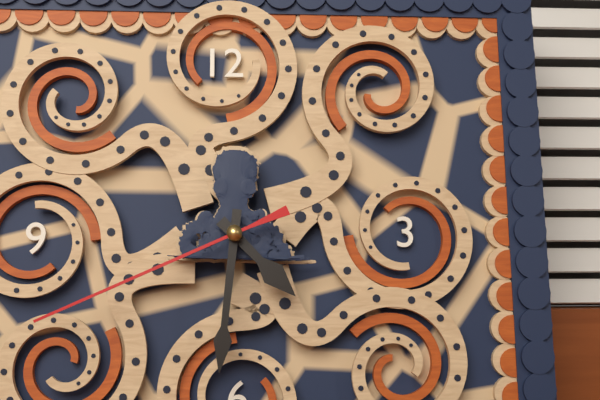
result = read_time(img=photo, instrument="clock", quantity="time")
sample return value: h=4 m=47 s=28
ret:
h=4 m=31 s=41
